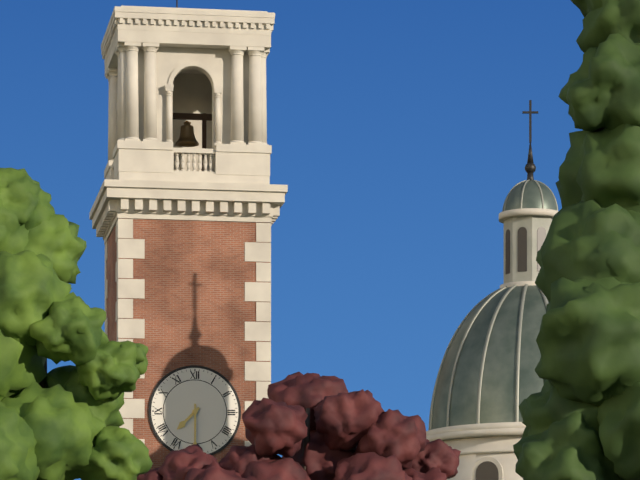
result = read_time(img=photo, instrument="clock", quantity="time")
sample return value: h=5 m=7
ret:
h=7 m=30
